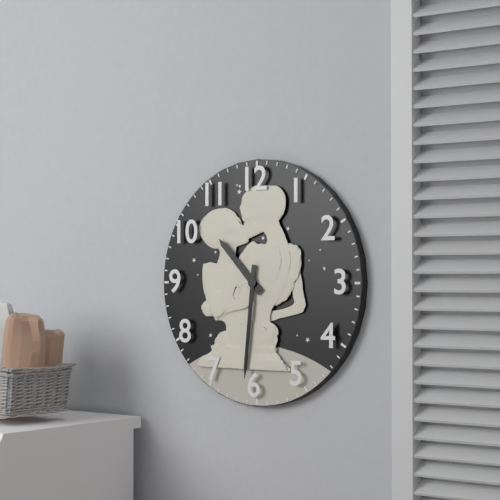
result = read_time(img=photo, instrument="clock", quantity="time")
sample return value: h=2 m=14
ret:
h=10 m=31
